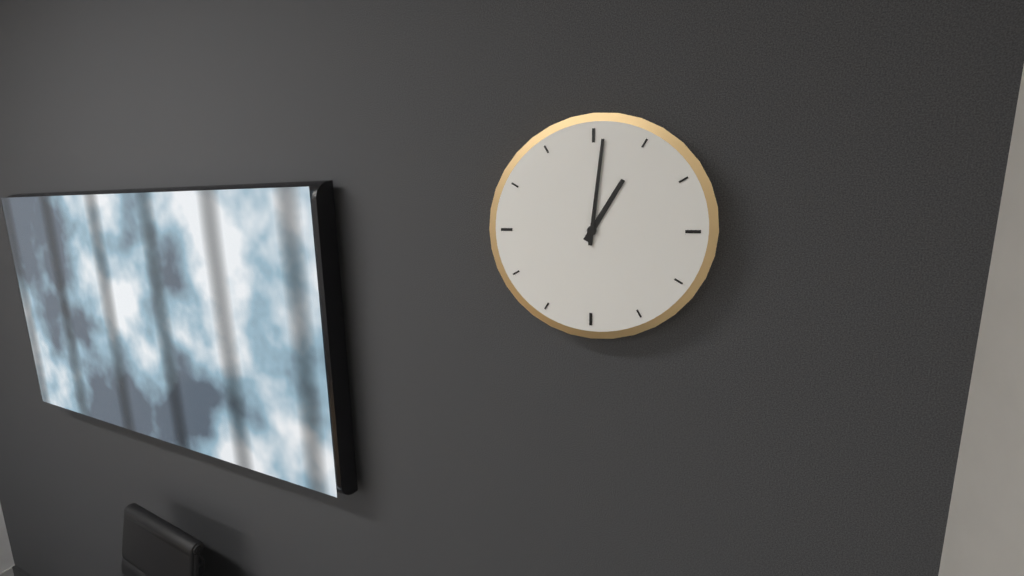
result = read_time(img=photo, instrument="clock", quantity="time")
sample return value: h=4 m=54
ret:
h=1 m=1
